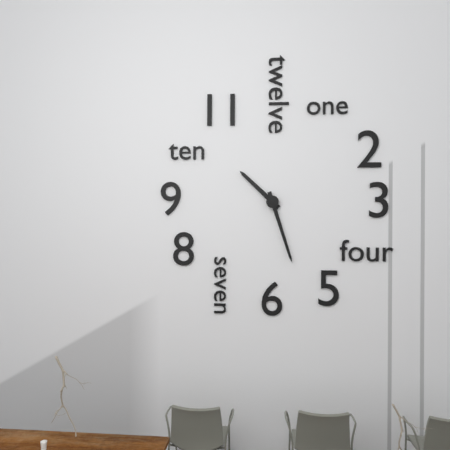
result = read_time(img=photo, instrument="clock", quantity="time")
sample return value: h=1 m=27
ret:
h=10 m=27
